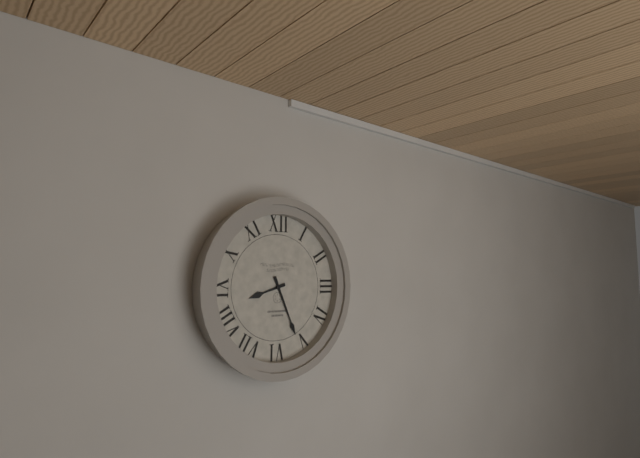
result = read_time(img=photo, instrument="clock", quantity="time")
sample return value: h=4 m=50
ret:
h=8 m=26
